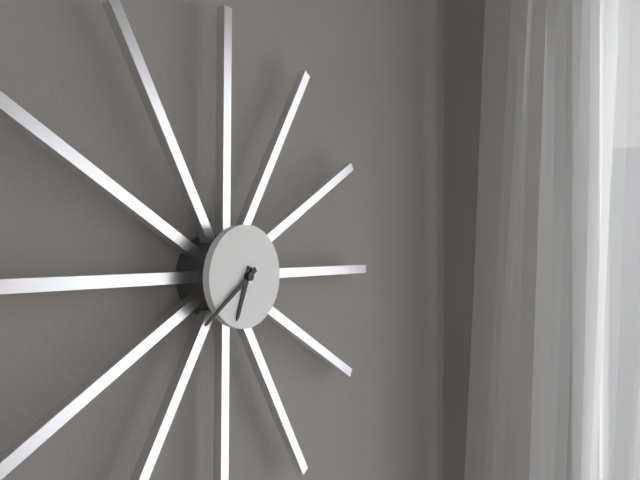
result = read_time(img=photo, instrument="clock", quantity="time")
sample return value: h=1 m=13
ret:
h=6 m=39
